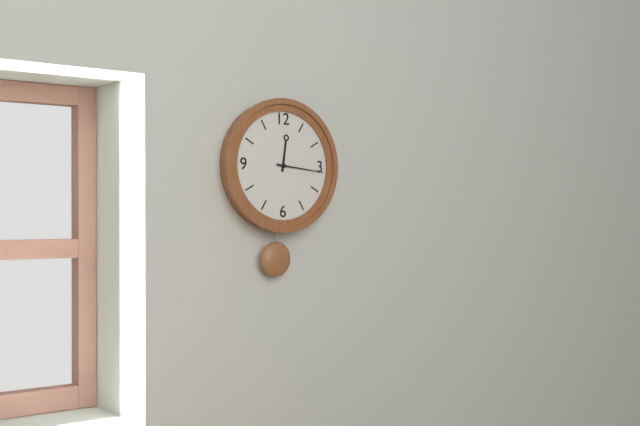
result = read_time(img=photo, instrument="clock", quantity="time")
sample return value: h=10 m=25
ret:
h=12 m=16
